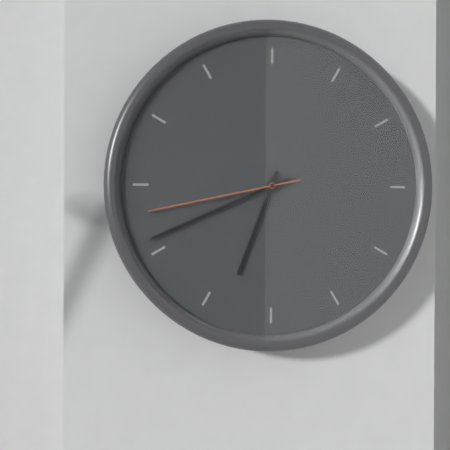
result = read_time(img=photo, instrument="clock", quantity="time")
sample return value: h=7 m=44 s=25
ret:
h=6 m=41 s=43
